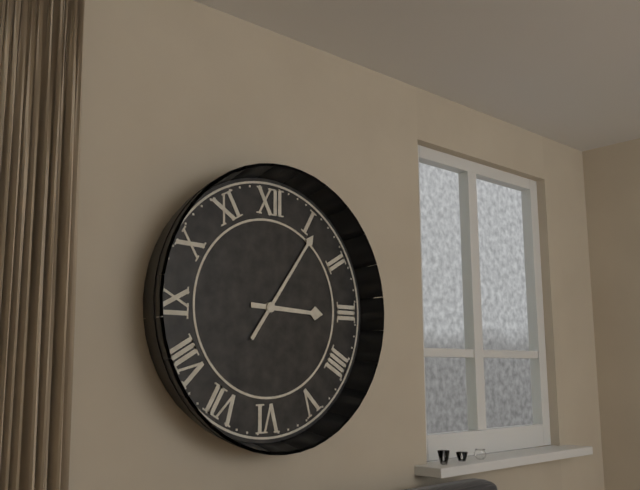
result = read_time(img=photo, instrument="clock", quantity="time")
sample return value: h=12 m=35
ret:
h=3 m=6
